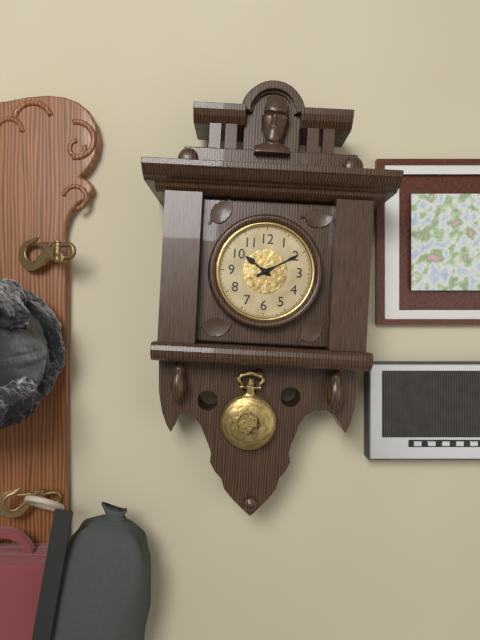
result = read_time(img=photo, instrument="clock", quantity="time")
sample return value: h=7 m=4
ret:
h=10 m=10
